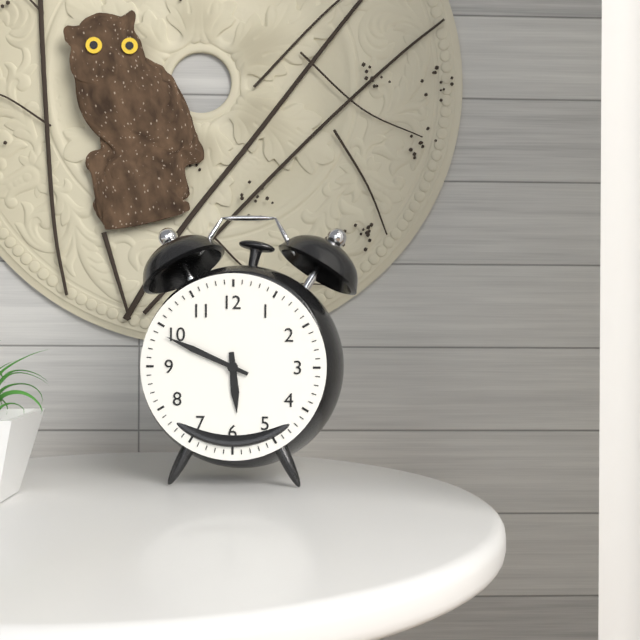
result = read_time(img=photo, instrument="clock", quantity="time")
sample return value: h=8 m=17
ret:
h=5 m=49
